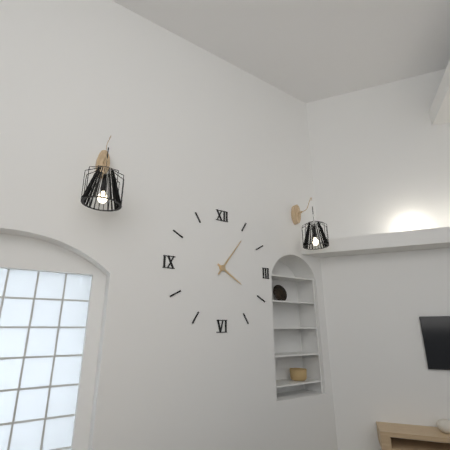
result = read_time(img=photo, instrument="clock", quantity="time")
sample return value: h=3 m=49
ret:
h=4 m=6
